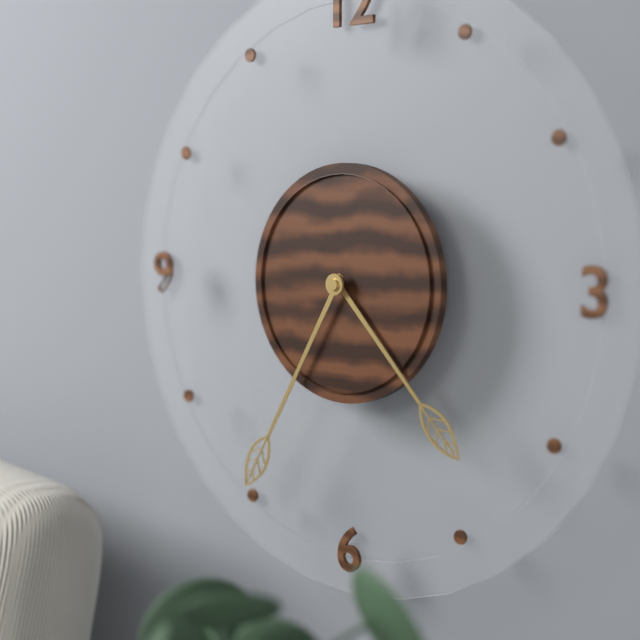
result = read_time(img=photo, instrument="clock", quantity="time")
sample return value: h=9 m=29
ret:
h=4 m=35
